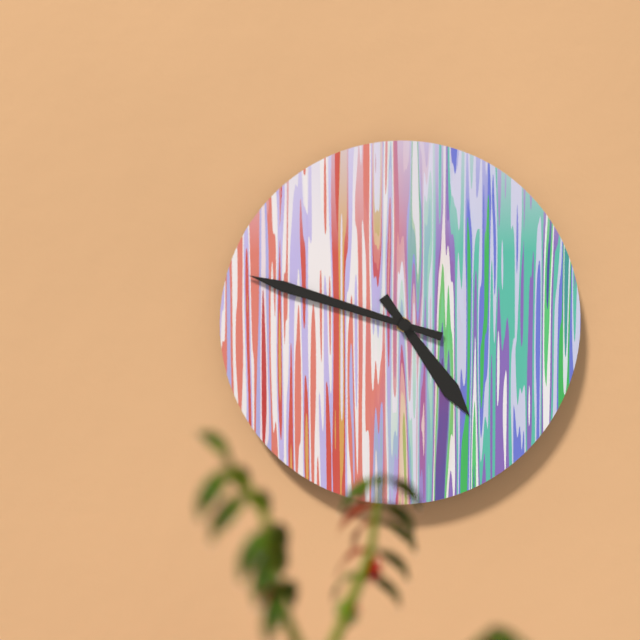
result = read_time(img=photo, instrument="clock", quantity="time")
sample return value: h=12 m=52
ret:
h=4 m=48
